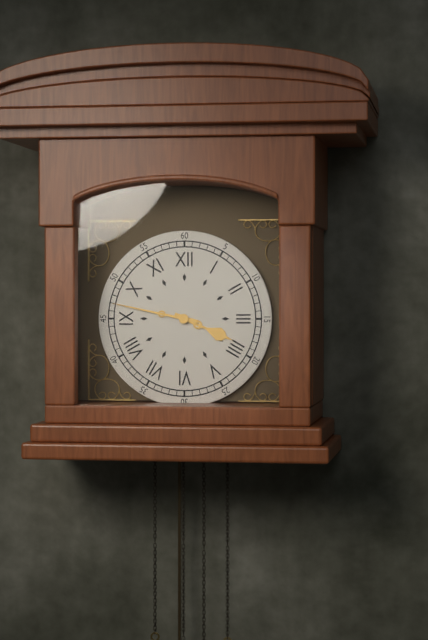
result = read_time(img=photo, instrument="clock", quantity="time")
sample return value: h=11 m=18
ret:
h=3 m=47
